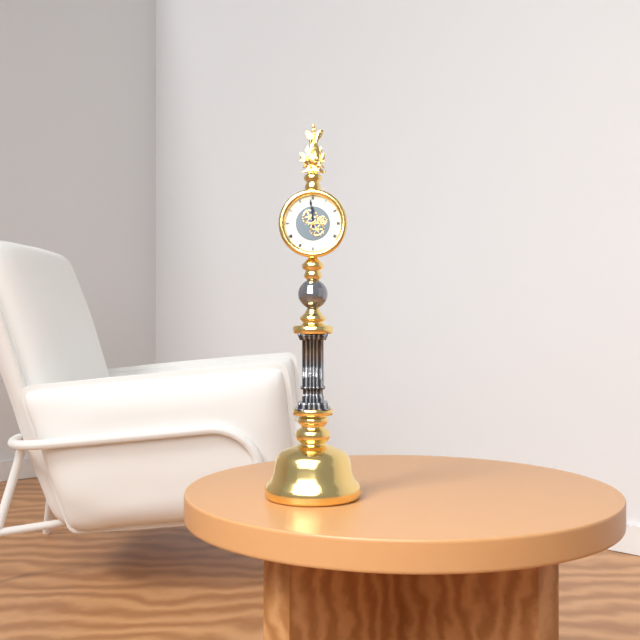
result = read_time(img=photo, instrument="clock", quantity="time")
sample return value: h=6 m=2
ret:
h=11 m=59
